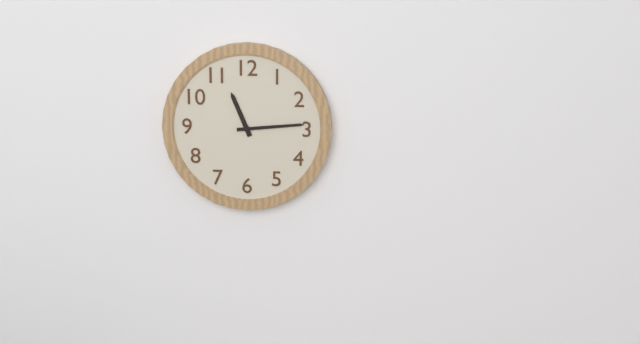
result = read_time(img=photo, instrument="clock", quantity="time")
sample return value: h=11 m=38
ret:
h=11 m=14
